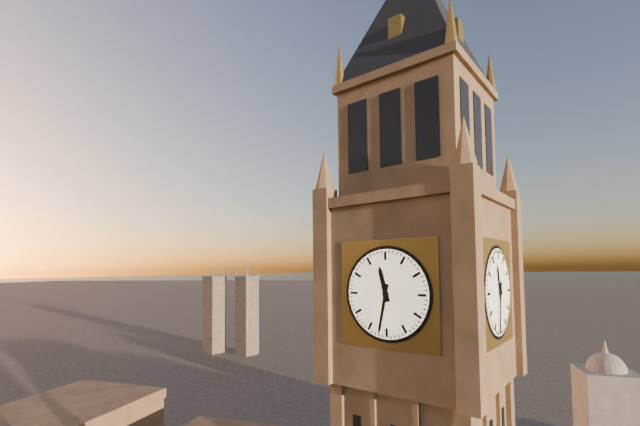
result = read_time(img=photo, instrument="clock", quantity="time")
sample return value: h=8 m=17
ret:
h=11 m=32
